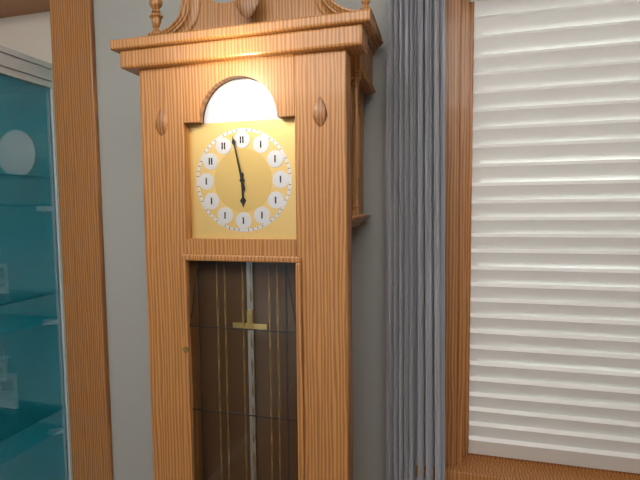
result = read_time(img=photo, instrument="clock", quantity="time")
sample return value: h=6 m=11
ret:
h=5 m=58
